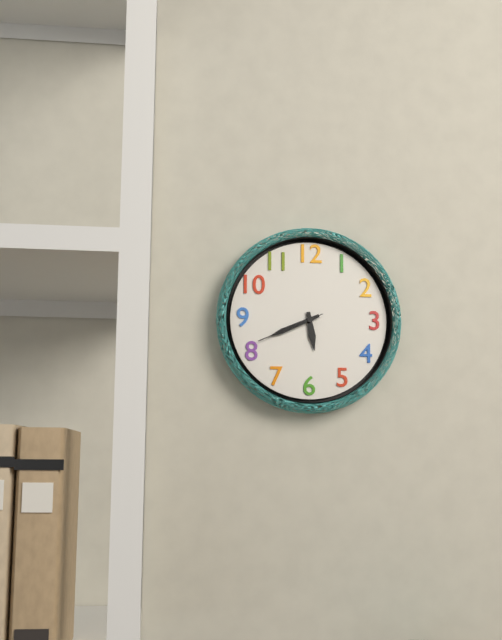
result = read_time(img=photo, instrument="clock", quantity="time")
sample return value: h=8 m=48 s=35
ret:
h=5 m=41 s=41
